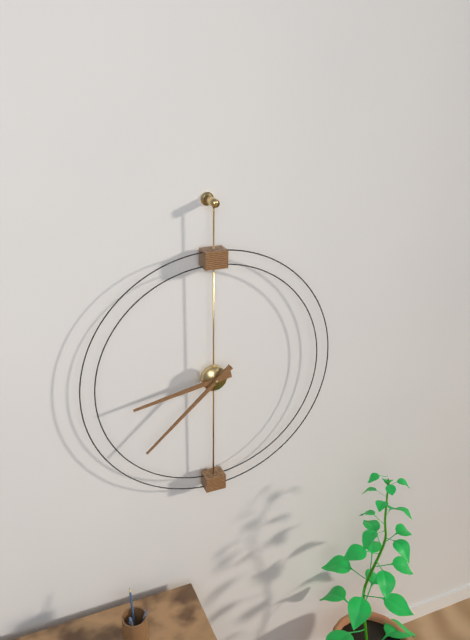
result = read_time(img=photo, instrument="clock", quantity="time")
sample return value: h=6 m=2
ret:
h=8 m=38
